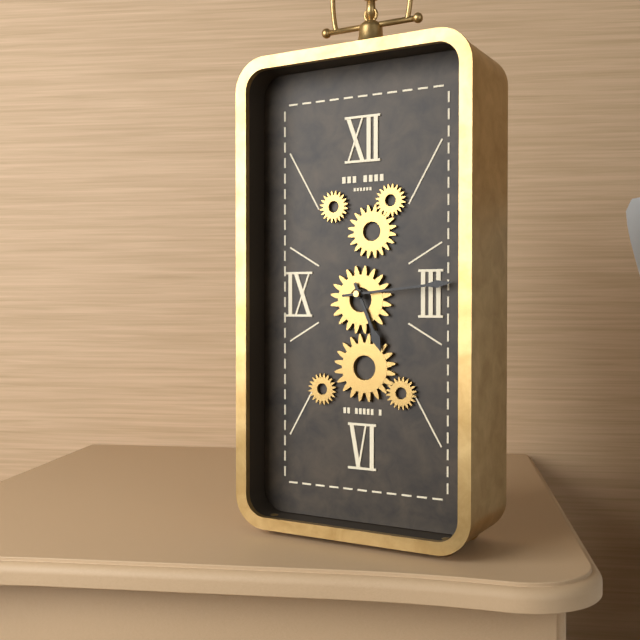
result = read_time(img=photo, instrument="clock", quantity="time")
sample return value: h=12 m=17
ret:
h=5 m=14
